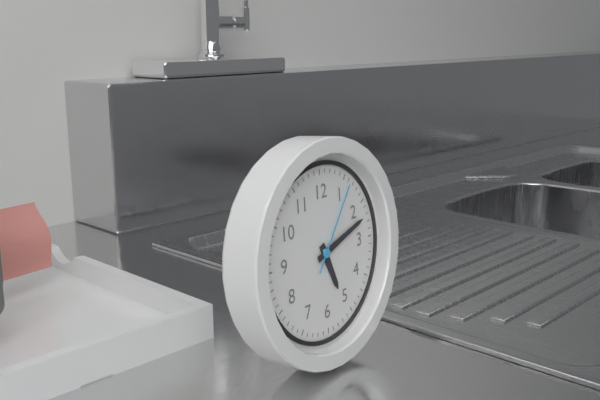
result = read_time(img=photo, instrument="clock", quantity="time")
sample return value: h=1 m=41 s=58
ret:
h=5 m=12 s=6
